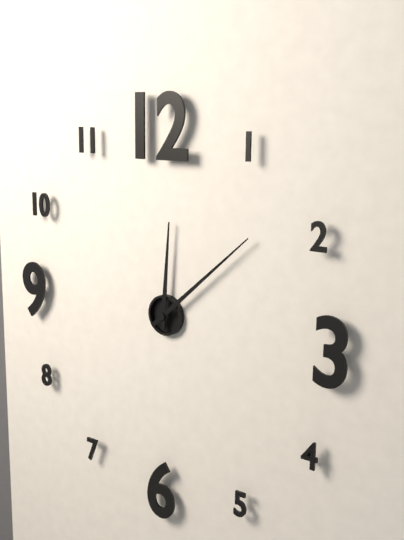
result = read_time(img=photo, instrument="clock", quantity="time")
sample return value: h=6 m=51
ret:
h=12 m=8
